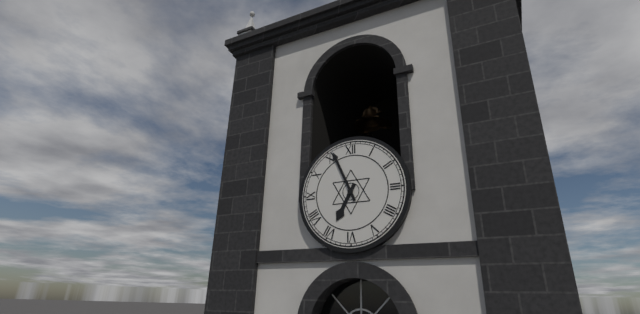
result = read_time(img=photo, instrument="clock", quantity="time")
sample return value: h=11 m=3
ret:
h=6 m=56
